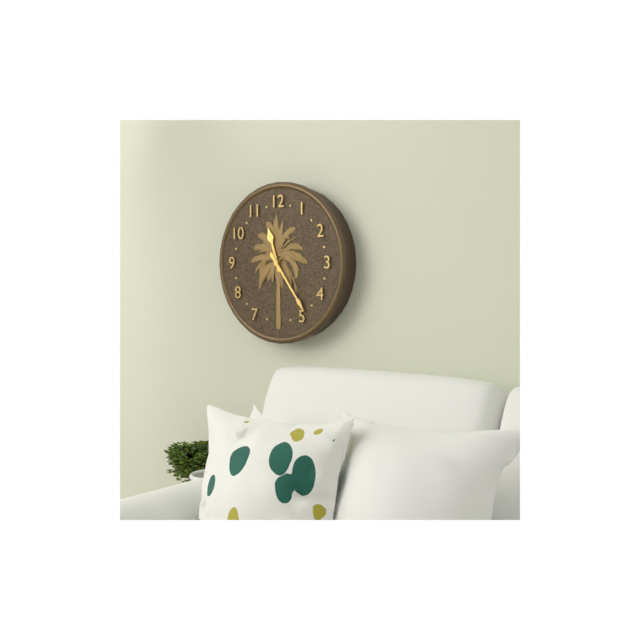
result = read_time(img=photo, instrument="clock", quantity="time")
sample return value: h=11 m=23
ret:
h=11 m=24
